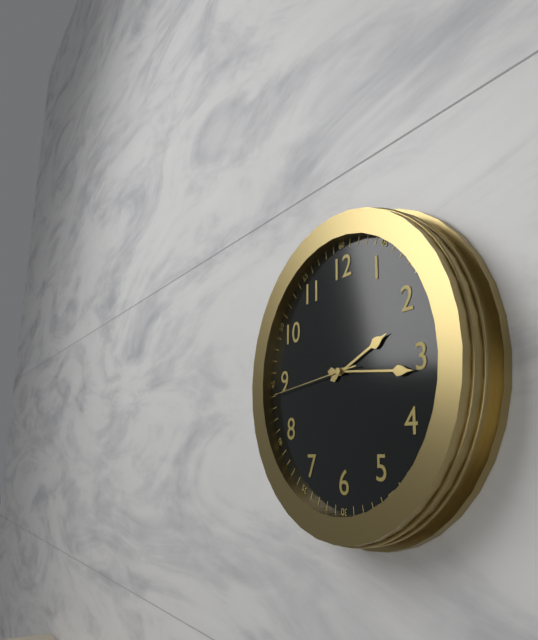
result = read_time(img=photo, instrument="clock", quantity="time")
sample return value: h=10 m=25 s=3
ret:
h=2 m=16 s=44
